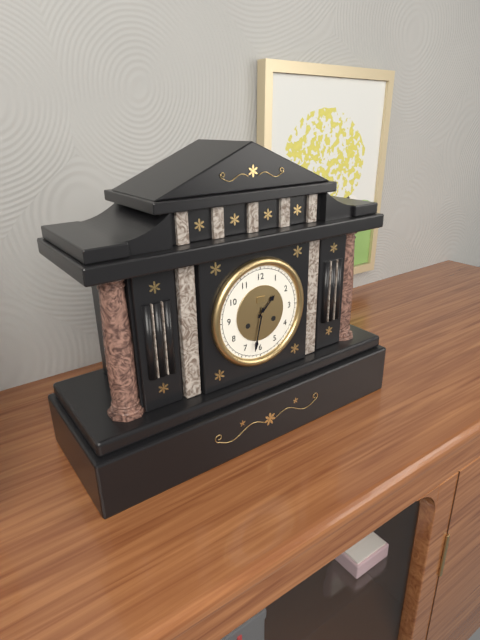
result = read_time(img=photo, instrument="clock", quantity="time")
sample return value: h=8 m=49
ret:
h=1 m=32
